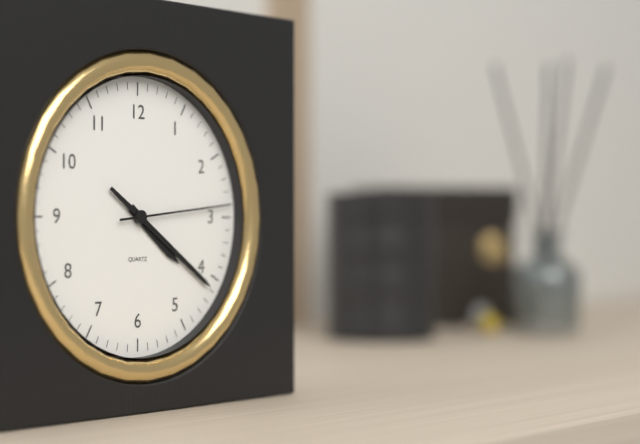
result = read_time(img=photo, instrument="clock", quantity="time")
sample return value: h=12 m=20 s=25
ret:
h=4 m=21 s=14
